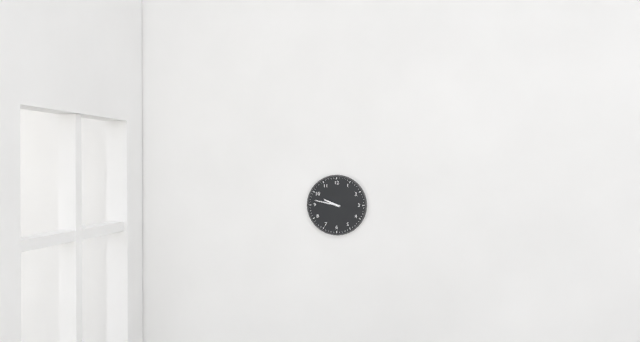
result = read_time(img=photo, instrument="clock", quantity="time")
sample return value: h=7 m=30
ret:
h=9 m=47
